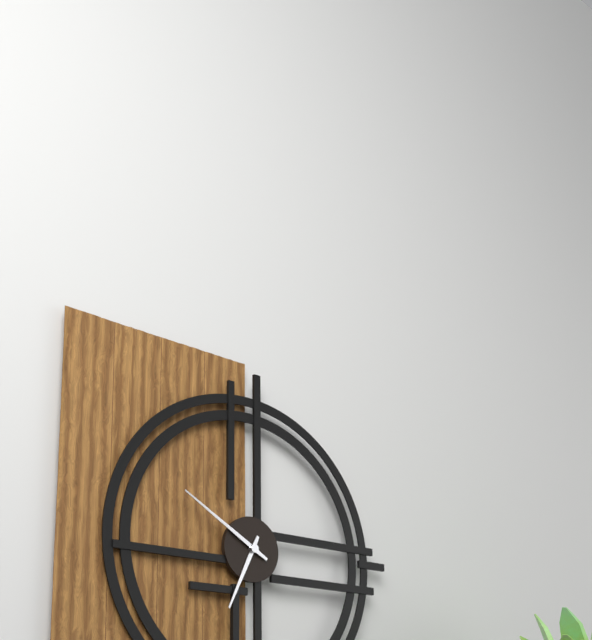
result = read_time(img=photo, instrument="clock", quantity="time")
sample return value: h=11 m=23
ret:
h=6 m=50
